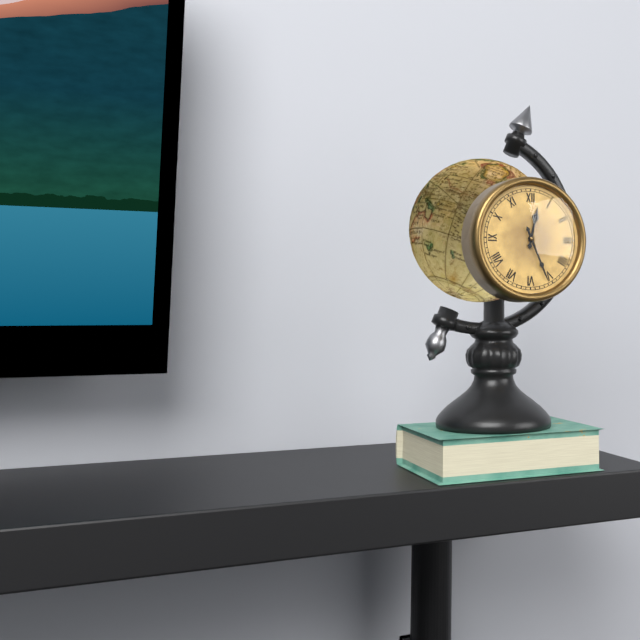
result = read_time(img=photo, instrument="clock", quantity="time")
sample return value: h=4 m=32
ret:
h=12 m=26
